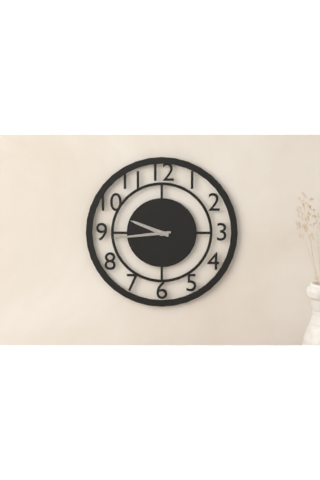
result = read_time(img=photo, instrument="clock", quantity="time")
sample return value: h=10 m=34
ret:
h=9 m=44
